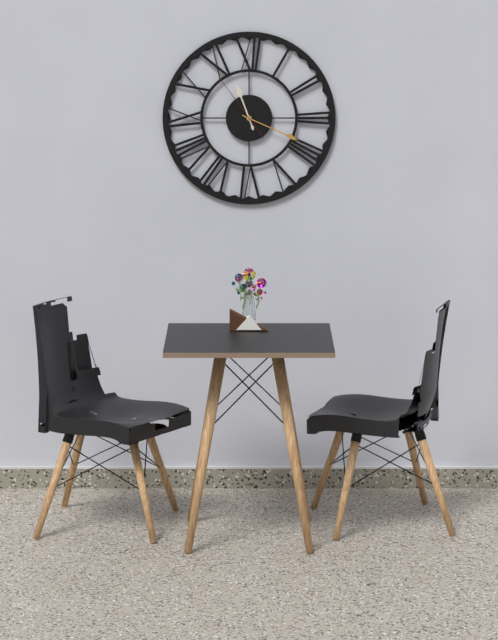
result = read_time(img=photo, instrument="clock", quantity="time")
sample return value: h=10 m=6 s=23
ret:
h=11 m=19 s=54
